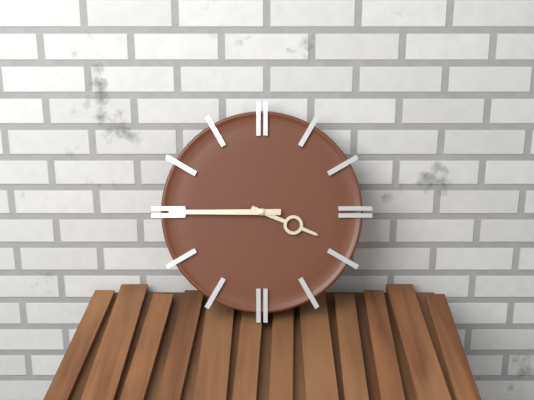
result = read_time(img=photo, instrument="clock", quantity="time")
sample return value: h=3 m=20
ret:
h=3 m=45
